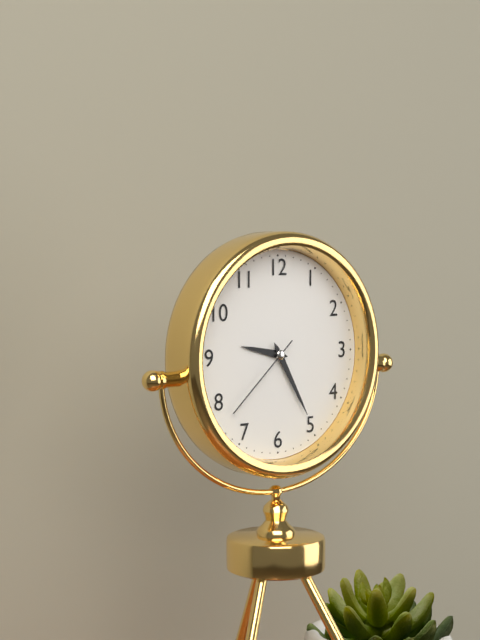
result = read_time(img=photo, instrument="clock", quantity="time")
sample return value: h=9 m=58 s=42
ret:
h=9 m=25 s=38
